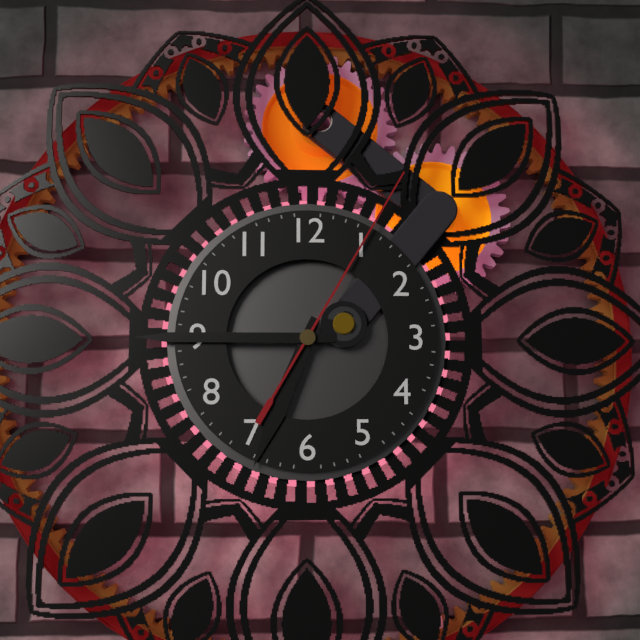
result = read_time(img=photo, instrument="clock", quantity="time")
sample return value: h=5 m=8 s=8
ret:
h=6 m=45 s=5
